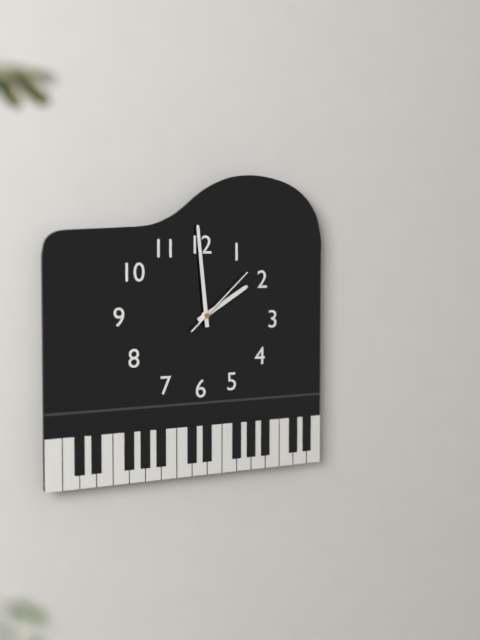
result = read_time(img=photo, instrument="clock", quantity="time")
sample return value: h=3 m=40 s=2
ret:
h=1 m=59 s=8
